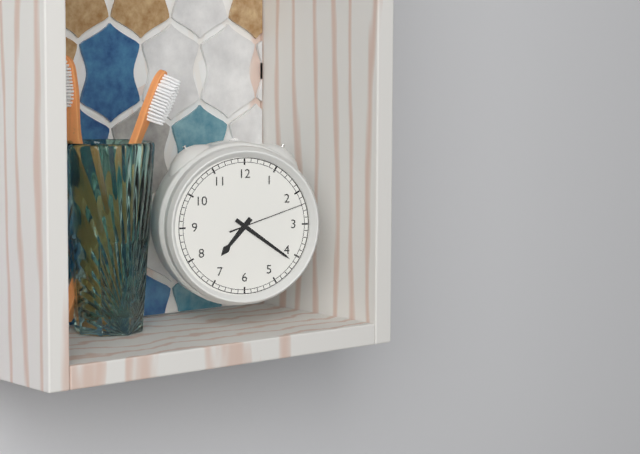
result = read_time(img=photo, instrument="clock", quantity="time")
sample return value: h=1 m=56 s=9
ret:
h=7 m=21 s=12
